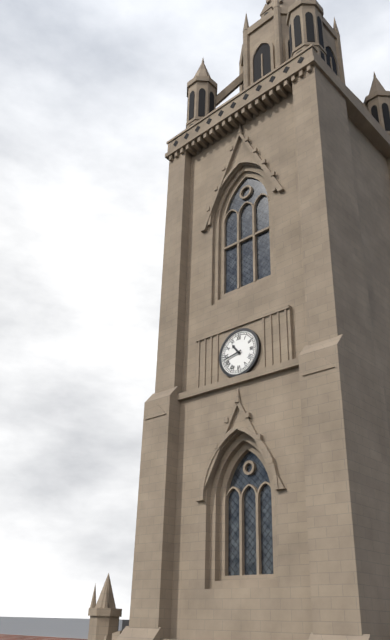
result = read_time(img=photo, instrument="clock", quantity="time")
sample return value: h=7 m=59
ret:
h=10 m=43
